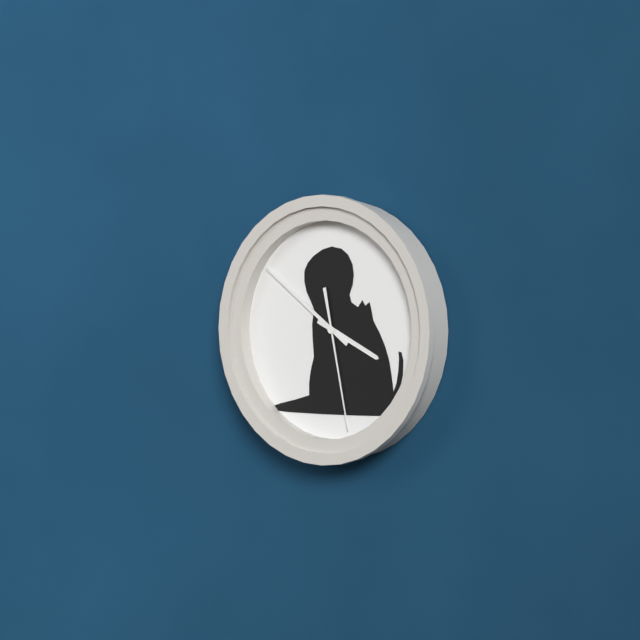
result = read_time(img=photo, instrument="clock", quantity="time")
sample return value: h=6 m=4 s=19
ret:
h=3 m=51 s=28
